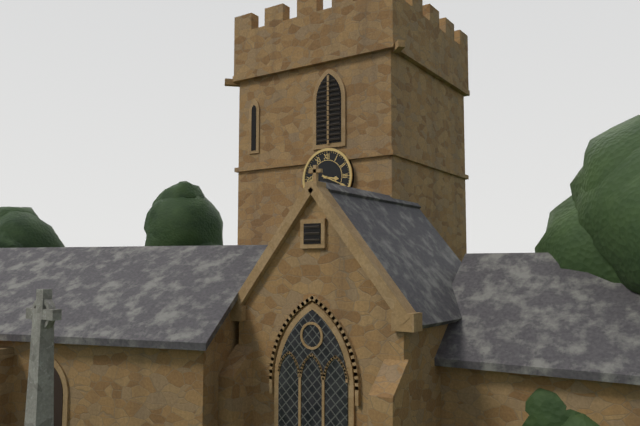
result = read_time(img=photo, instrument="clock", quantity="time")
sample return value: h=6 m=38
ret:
h=3 m=19
